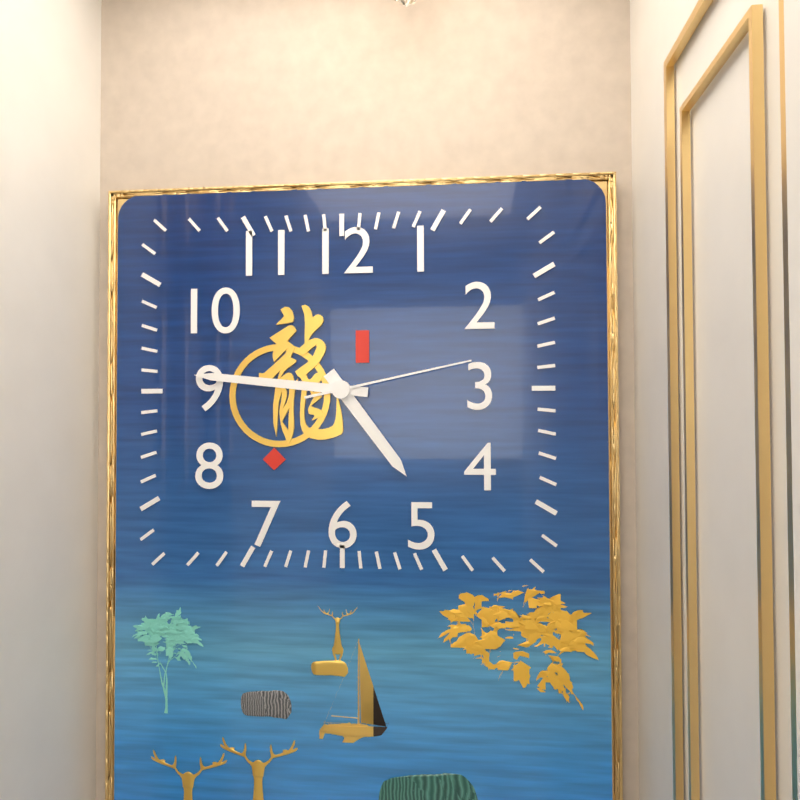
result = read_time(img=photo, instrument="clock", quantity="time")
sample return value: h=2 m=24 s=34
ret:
h=4 m=46 s=13
